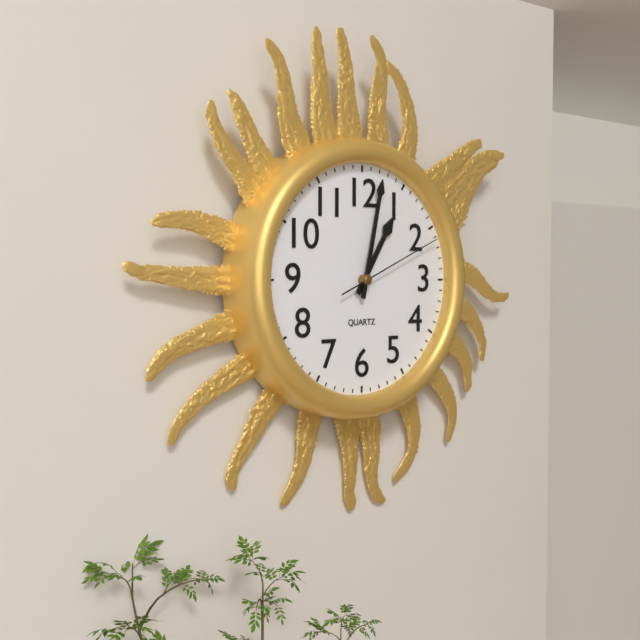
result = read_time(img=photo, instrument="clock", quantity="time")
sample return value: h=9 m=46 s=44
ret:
h=1 m=2 s=11
